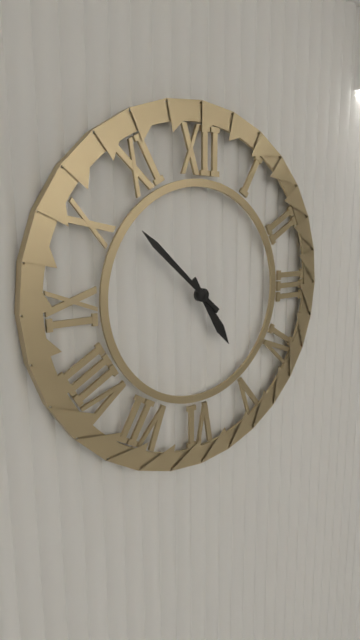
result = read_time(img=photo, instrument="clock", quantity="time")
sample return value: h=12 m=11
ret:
h=4 m=52
